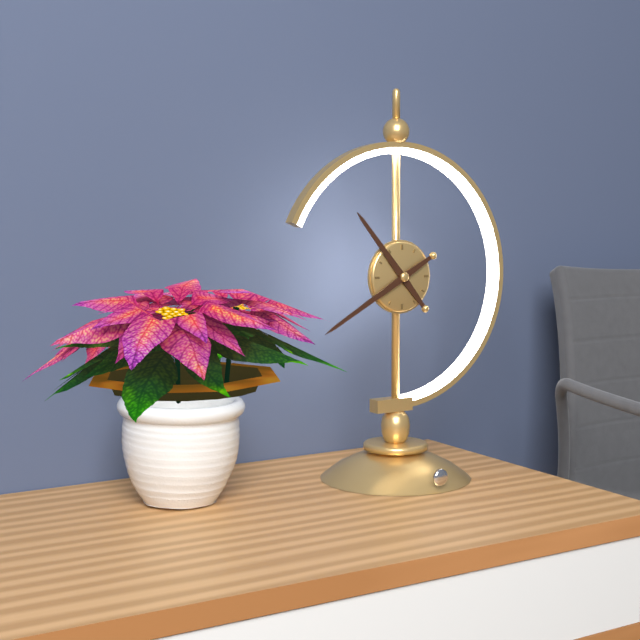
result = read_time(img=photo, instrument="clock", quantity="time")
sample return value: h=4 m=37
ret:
h=10 m=40
